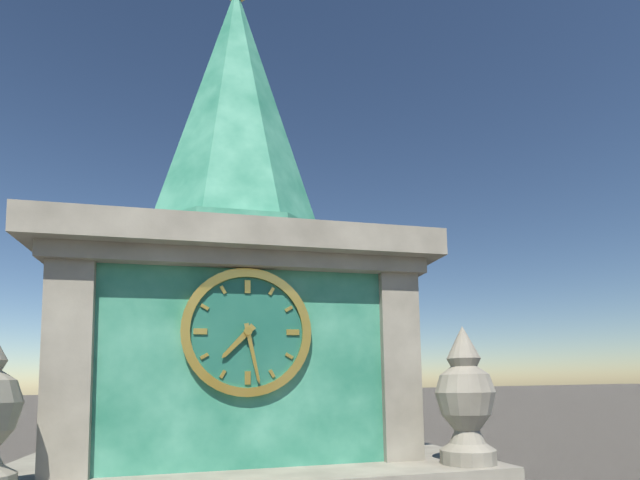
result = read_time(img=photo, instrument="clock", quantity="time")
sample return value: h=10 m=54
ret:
h=7 m=28
